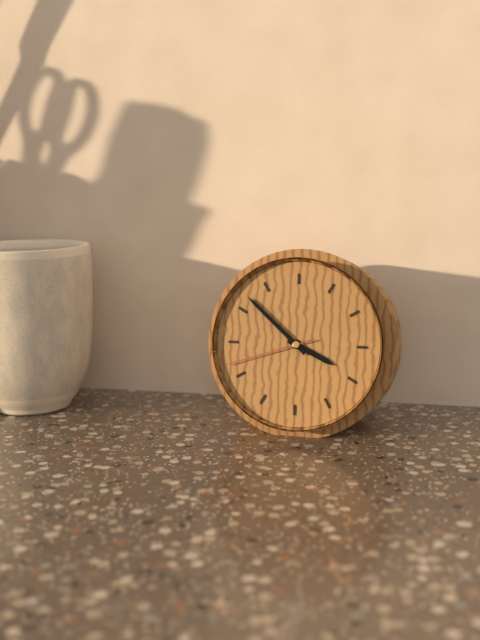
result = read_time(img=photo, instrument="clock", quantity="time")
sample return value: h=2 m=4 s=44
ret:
h=3 m=52 s=42
